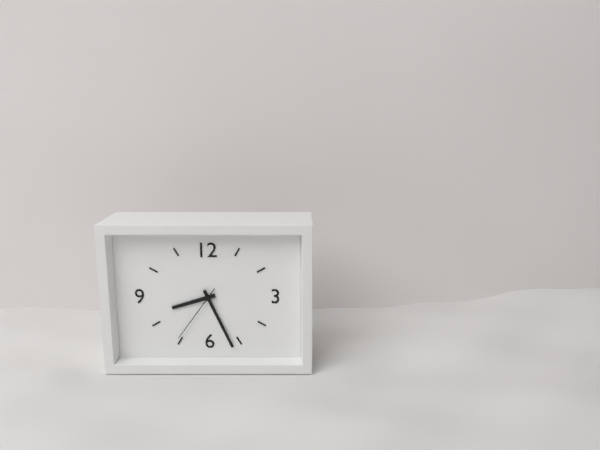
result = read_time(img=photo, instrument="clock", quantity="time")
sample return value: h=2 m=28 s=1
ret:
h=8 m=26 s=36
